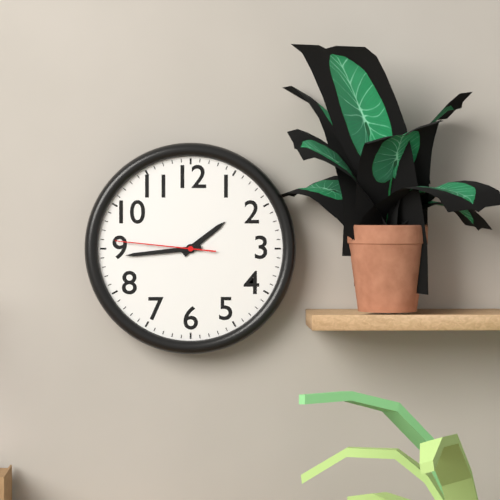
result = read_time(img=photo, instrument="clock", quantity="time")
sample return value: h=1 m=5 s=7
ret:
h=1 m=44 s=46
